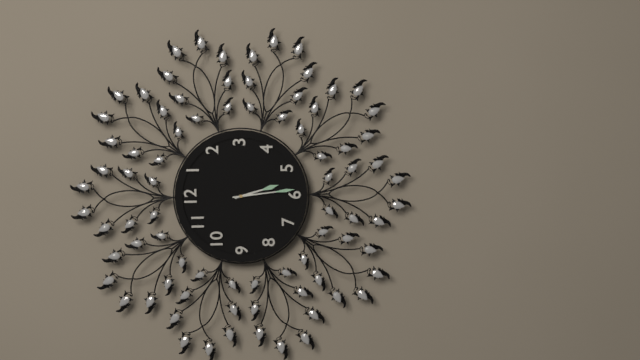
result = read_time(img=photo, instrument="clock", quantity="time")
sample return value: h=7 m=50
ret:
h=5 m=29
